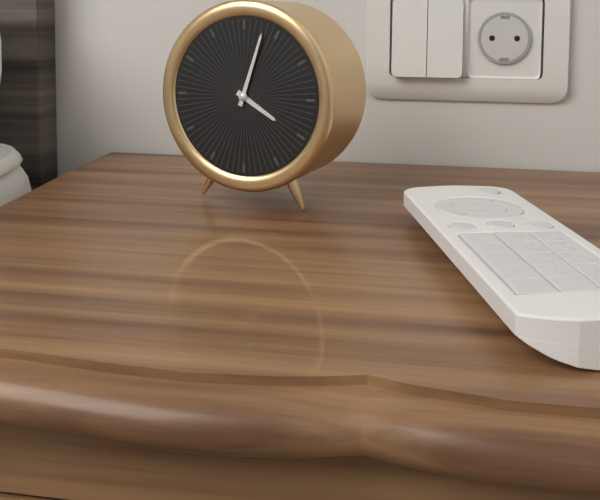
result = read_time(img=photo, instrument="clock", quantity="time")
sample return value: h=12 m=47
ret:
h=4 m=3
